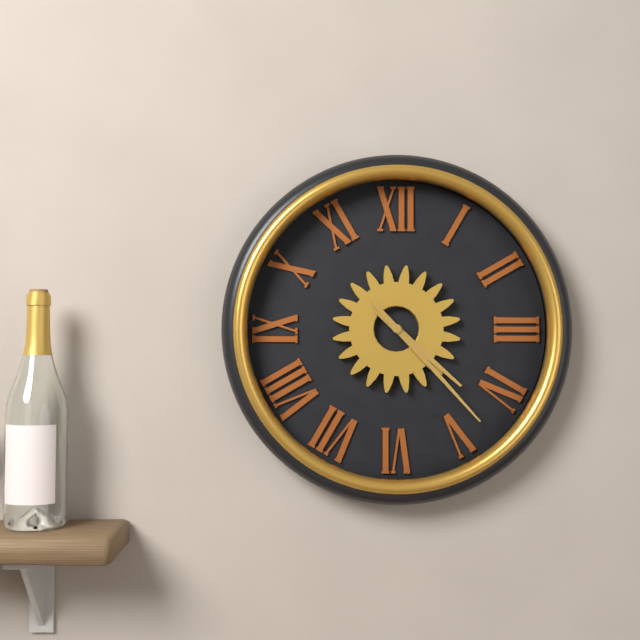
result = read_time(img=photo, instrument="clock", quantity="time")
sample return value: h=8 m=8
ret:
h=4 m=23
